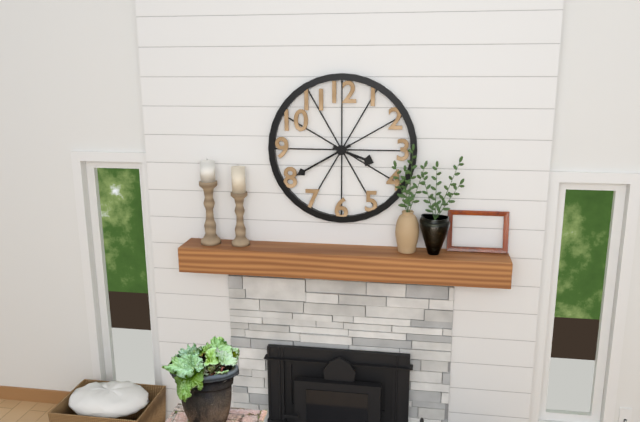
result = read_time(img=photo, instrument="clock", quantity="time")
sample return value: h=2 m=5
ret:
h=3 m=40
